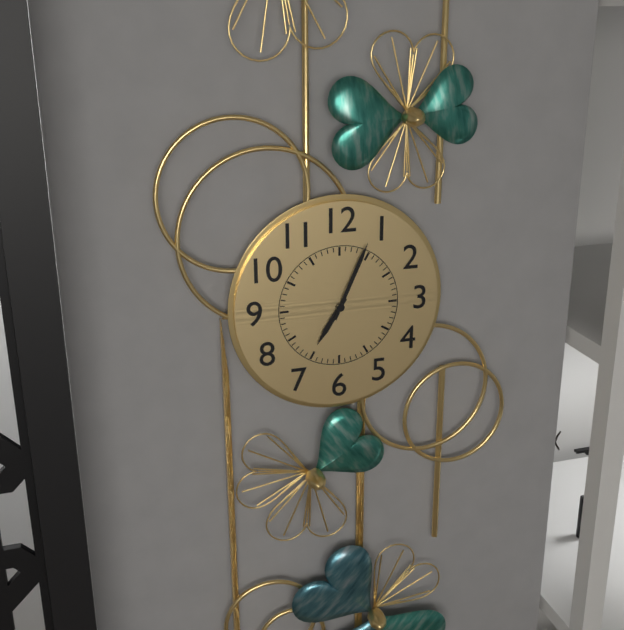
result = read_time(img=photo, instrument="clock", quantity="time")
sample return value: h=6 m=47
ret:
h=7 m=4
